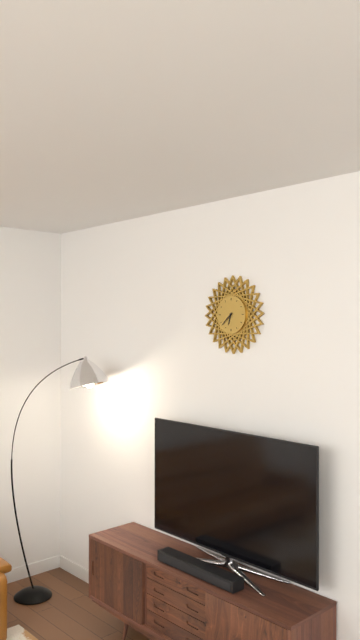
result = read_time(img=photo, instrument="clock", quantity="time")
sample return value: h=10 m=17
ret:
h=6 m=38
